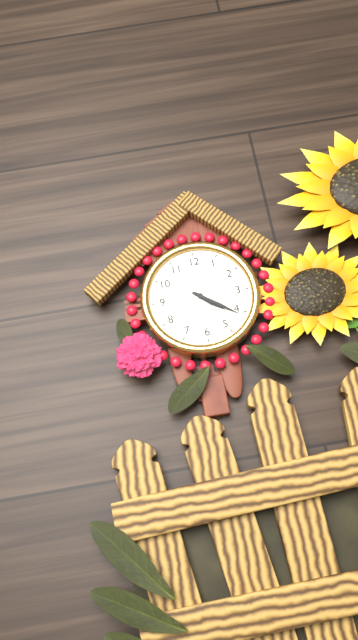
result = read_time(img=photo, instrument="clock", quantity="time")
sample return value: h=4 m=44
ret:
h=4 m=21
